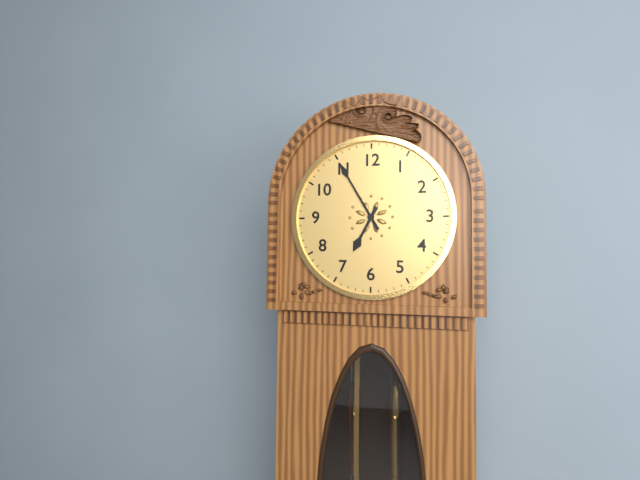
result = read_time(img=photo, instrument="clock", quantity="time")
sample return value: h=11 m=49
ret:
h=6 m=55
